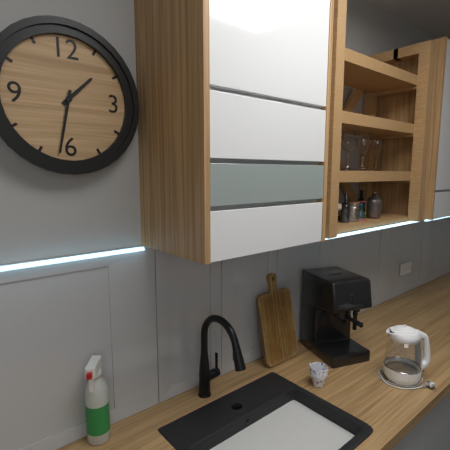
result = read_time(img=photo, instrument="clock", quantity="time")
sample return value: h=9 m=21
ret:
h=1 m=32
